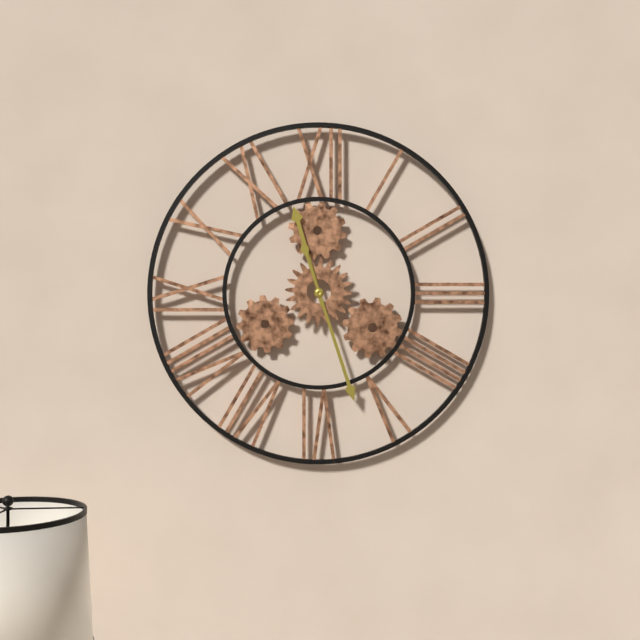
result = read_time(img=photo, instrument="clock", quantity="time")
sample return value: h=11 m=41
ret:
h=11 m=27
